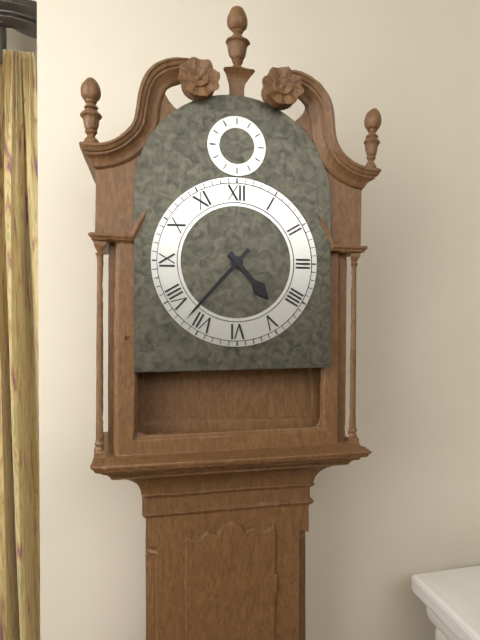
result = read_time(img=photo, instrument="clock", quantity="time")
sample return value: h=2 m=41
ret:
h=4 m=37
